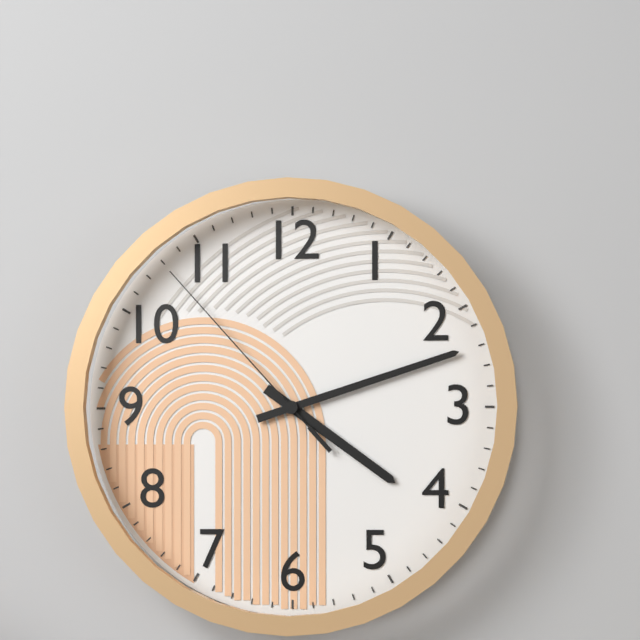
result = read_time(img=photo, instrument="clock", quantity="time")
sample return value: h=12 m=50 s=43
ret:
h=4 m=12 s=53
